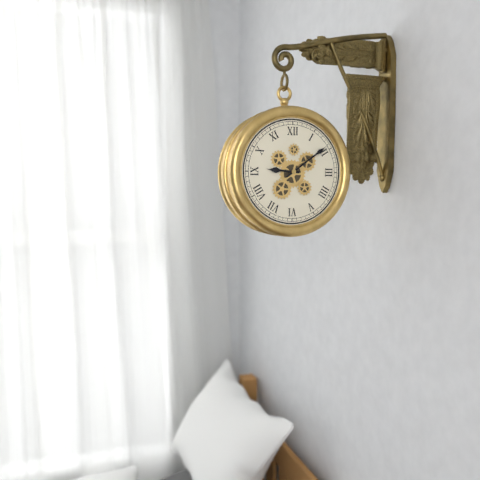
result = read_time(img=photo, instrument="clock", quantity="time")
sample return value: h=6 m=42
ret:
h=9 m=9
